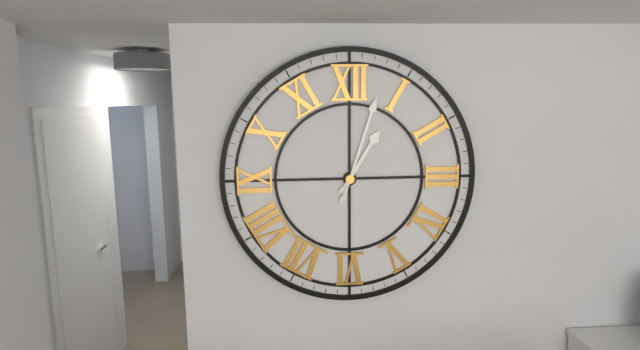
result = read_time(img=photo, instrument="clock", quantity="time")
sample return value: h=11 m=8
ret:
h=1 m=3
